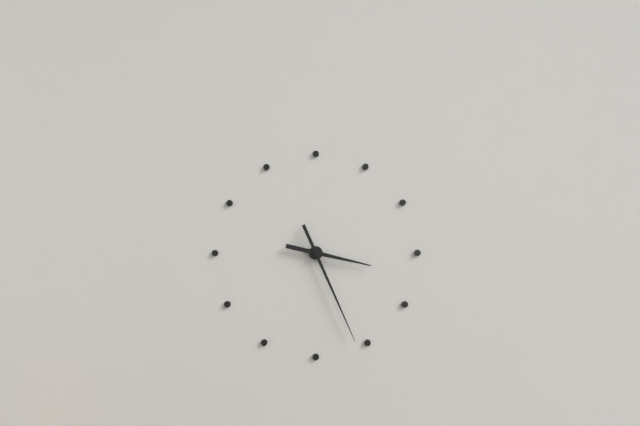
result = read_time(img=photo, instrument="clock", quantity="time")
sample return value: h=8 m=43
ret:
h=3 m=26
